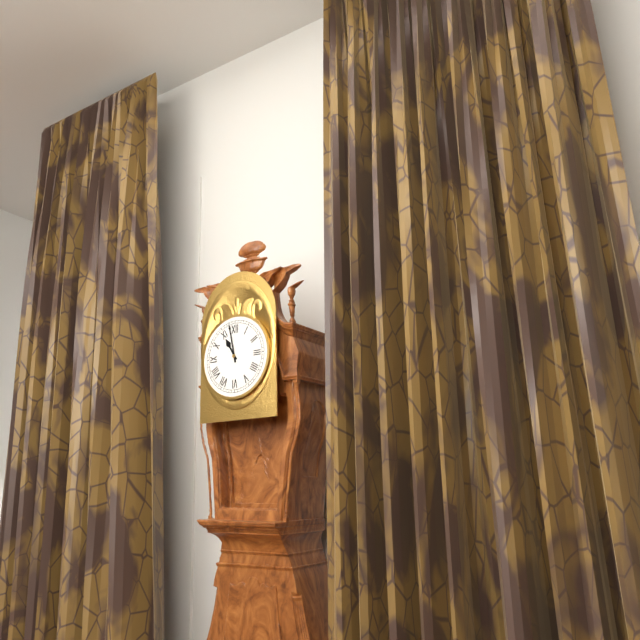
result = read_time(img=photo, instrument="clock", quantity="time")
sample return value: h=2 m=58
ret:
h=10 m=58
